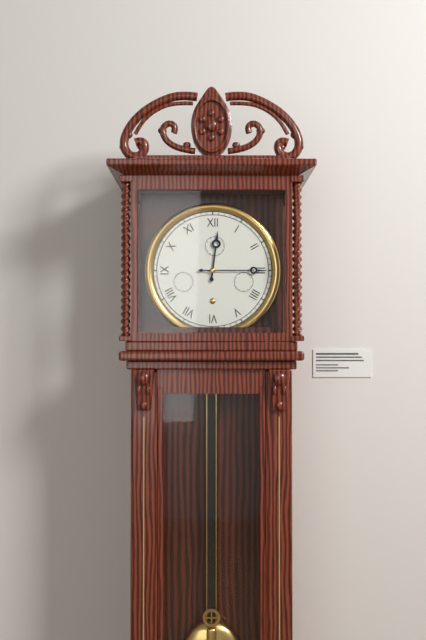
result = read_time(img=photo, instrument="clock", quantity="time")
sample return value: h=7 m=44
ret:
h=12 m=15
